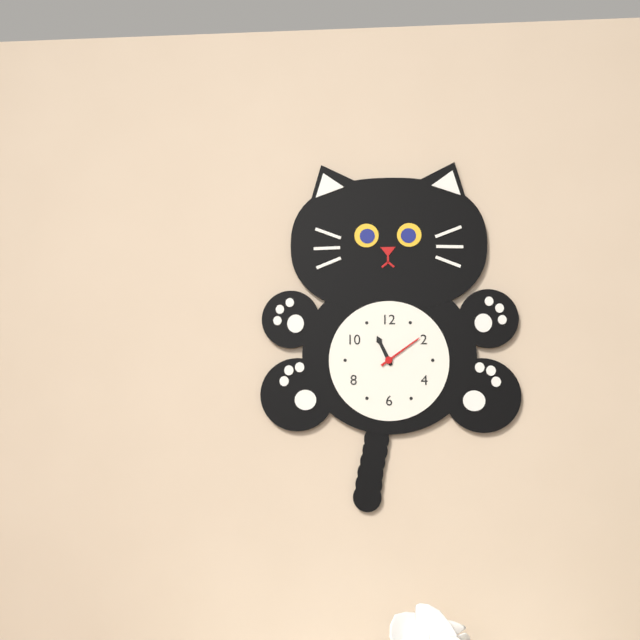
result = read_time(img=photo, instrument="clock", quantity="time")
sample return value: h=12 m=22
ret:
h=11 m=9
